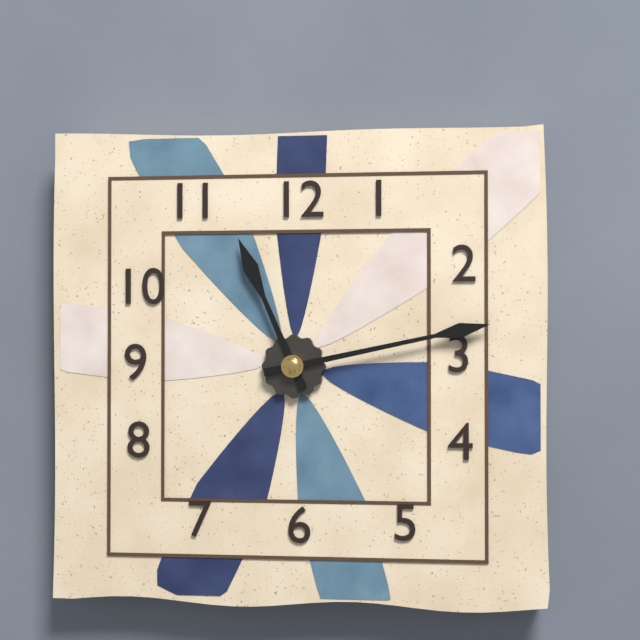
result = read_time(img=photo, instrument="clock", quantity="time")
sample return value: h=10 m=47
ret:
h=11 m=13
